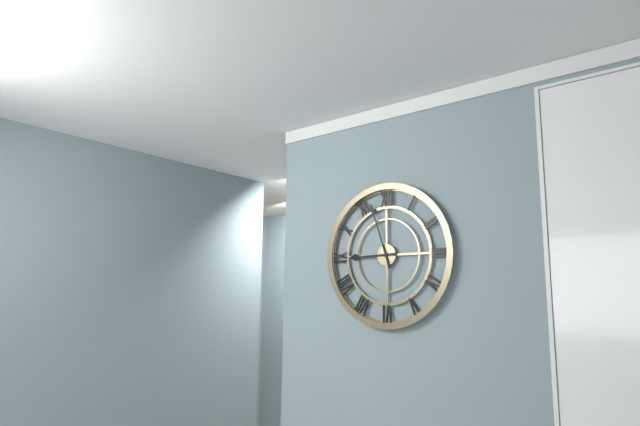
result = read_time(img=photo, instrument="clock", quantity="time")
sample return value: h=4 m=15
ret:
h=8 m=57
